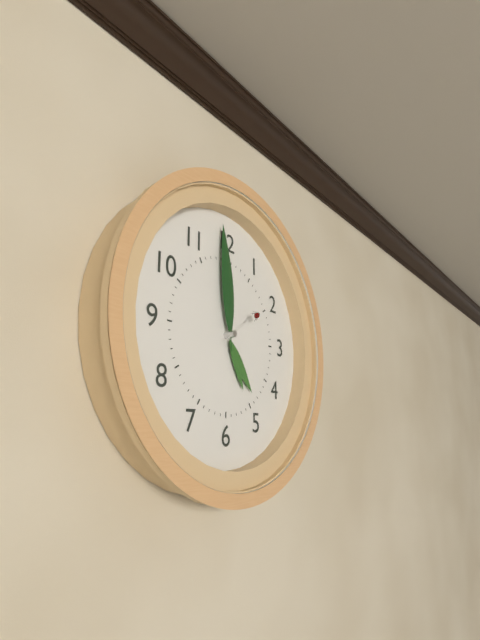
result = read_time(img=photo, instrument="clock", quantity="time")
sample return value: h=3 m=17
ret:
h=4 m=59
